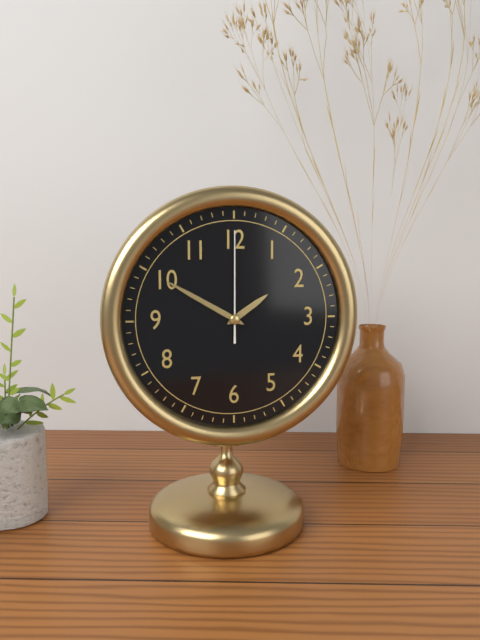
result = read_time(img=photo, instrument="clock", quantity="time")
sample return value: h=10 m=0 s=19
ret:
h=1 m=50 s=0
